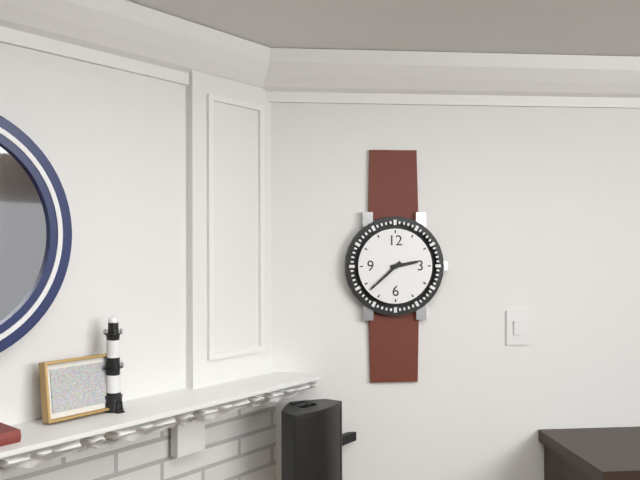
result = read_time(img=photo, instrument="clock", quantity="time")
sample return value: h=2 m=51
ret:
h=2 m=38
